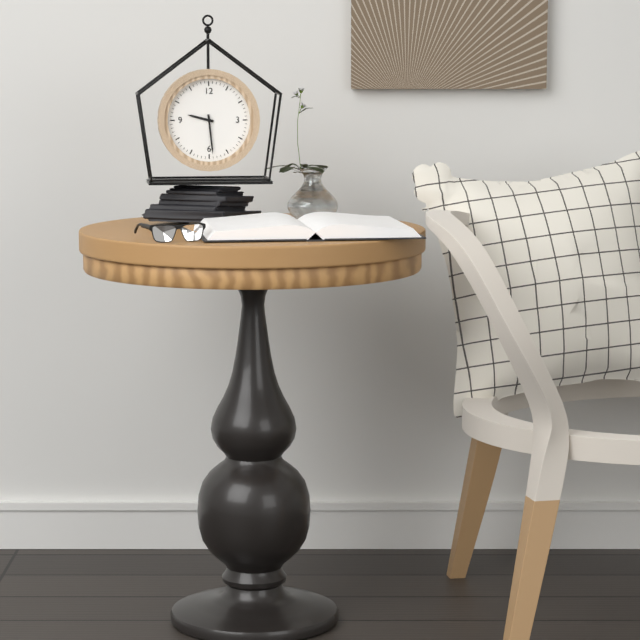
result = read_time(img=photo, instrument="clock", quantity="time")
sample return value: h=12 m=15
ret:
h=9 m=29
